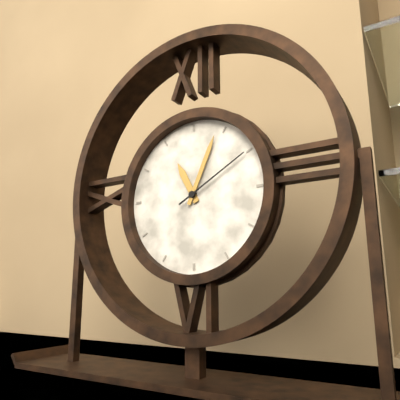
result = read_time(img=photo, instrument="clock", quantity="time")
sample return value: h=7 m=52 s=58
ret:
h=11 m=4 s=10
